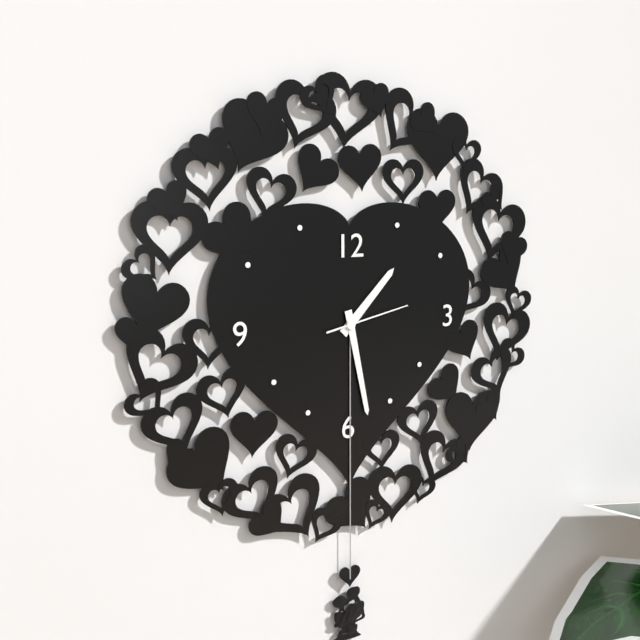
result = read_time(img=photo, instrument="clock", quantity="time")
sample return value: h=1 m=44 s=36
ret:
h=1 m=28 s=13
